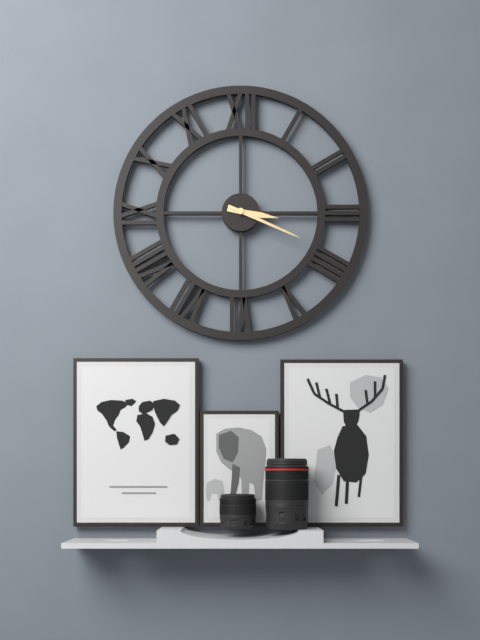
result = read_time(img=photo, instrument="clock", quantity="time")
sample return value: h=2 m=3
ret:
h=3 m=19
